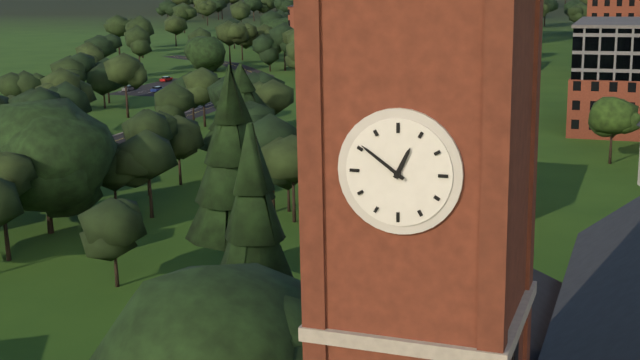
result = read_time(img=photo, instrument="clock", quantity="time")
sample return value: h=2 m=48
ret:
h=12 m=51
